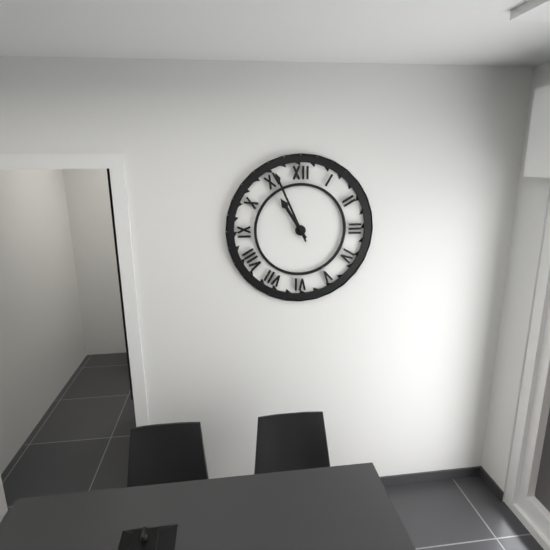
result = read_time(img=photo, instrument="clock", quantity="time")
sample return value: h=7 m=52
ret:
h=10 m=56
